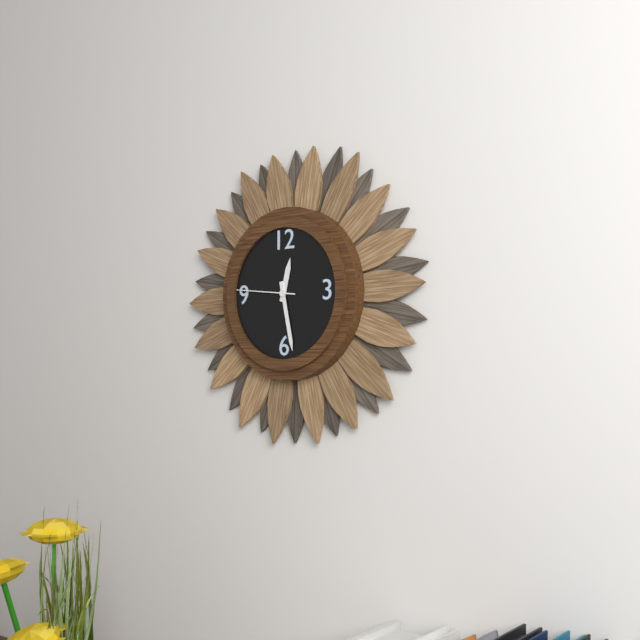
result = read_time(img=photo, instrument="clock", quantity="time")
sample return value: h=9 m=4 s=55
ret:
h=12 m=28 s=46
